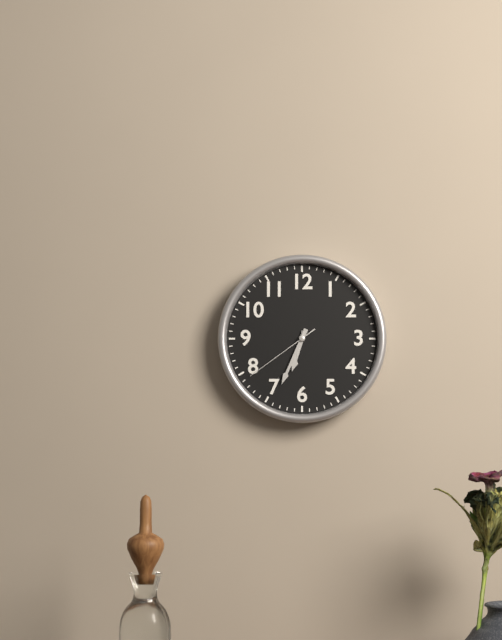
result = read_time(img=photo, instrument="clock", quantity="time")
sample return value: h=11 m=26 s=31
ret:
h=6 m=34 s=39
